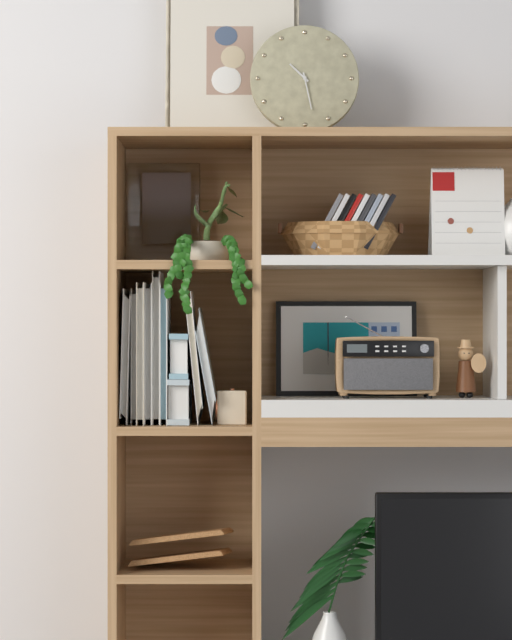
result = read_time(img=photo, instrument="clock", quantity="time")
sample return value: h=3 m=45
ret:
h=10 m=28
